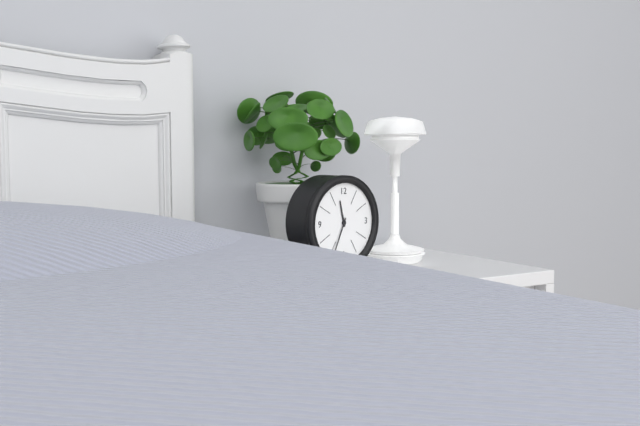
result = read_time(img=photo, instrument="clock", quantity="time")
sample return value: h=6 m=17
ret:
h=11 m=34
